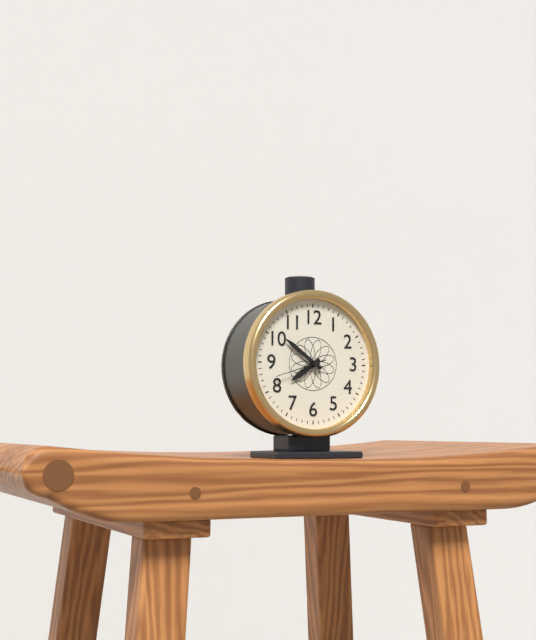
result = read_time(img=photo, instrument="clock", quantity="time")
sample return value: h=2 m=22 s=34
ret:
h=7 m=51 s=42
